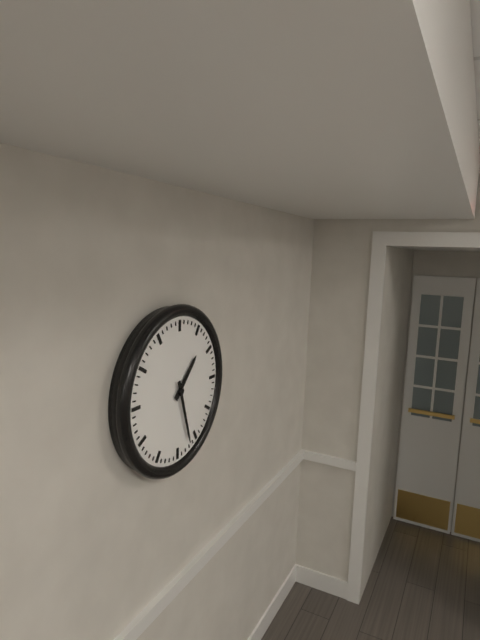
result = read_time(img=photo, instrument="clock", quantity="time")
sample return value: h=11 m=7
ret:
h=1 m=27
